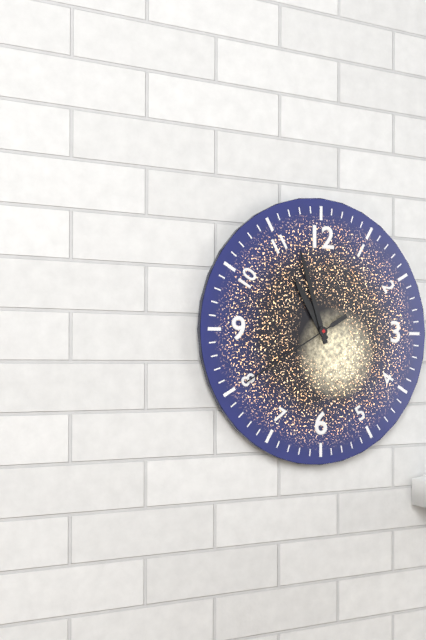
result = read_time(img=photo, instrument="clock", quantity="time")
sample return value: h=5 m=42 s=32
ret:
h=10 m=57 s=40
